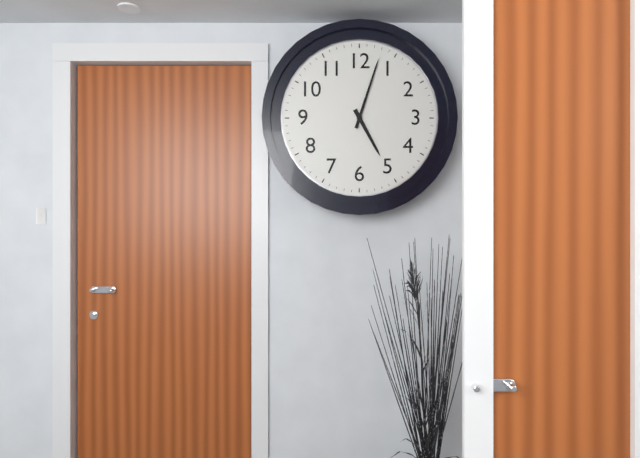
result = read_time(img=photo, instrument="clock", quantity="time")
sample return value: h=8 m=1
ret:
h=5 m=3
